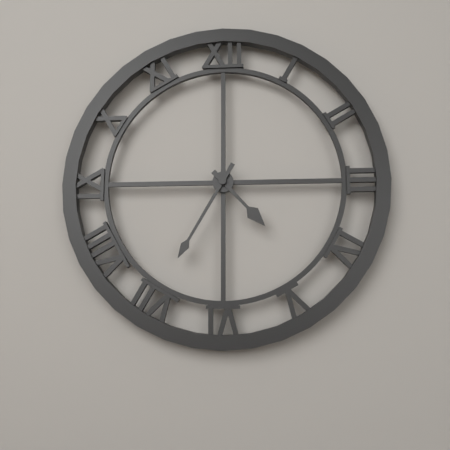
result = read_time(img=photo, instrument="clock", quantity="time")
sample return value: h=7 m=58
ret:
h=4 m=35
